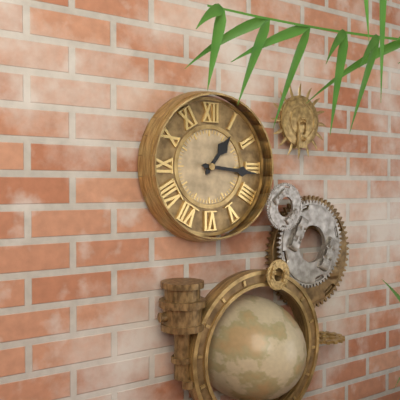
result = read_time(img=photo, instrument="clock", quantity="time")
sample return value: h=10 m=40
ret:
h=1 m=16
